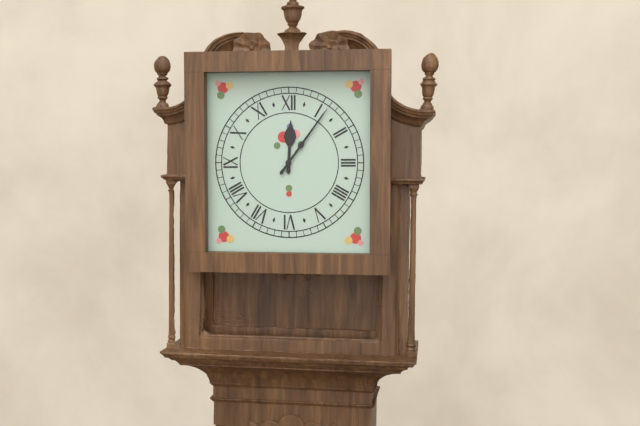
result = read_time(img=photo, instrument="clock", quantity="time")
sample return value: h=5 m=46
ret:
h=12 m=6
